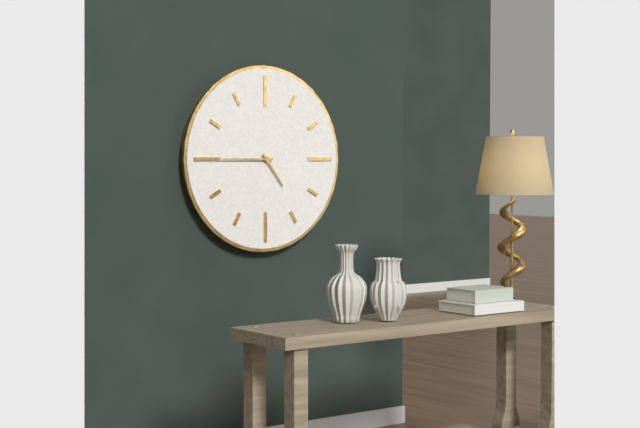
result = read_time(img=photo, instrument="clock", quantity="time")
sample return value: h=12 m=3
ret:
h=4 m=45
